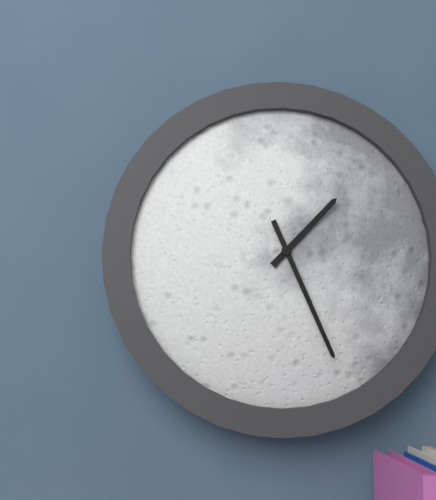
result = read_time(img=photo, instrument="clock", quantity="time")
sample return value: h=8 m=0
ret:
h=1 m=26
